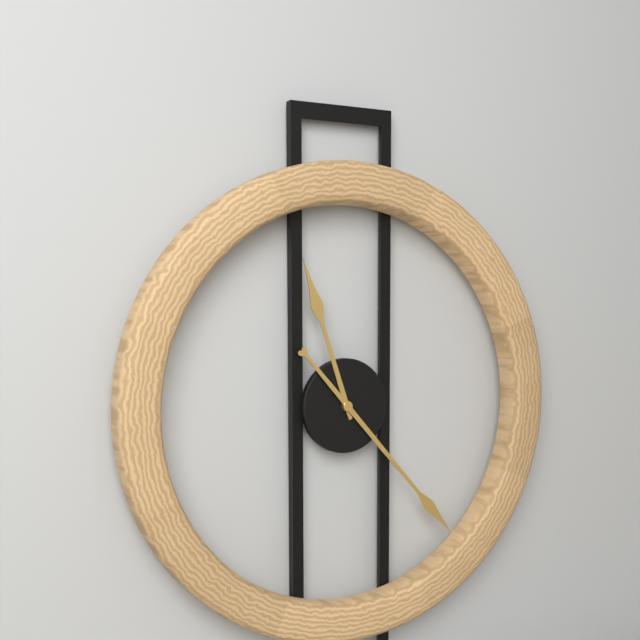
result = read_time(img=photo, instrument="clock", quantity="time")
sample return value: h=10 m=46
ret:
h=11 m=23
